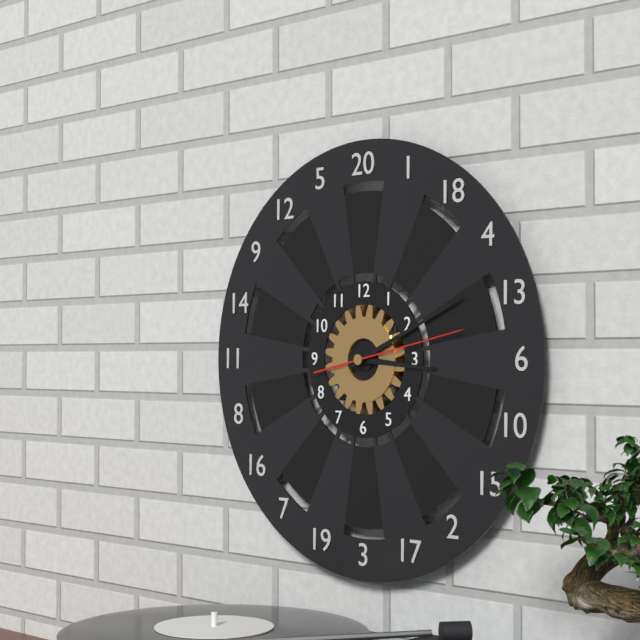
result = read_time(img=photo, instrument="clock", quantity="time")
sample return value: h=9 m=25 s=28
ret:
h=3 m=11 s=13
